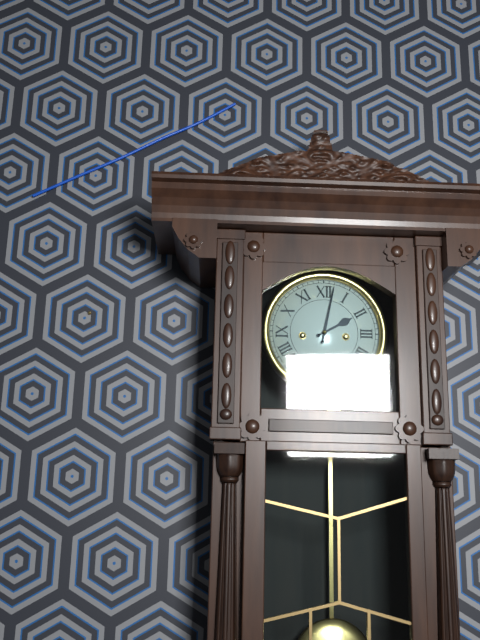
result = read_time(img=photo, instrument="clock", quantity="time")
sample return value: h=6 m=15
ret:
h=2 m=2
